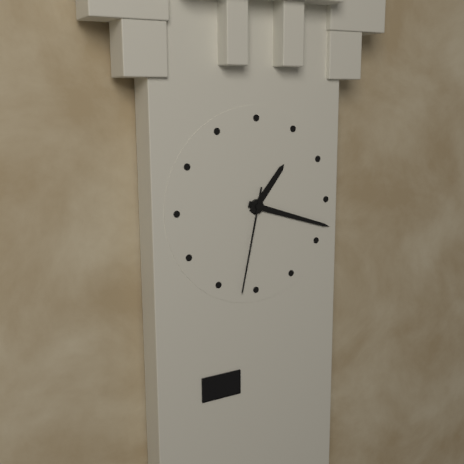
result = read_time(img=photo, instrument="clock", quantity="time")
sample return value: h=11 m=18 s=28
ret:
h=1 m=18 s=32
